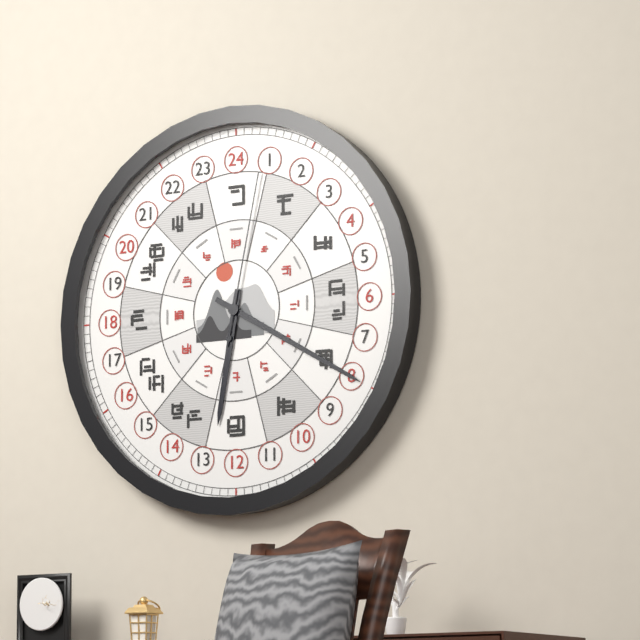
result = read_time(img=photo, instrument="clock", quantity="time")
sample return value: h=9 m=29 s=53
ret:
h=6 m=20 s=2
